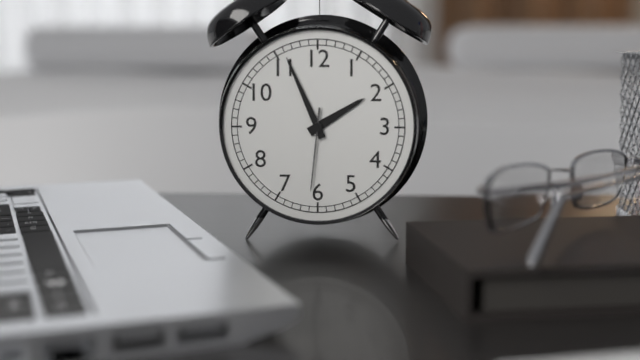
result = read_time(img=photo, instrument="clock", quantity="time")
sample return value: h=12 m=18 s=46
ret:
h=1 m=56 s=31
